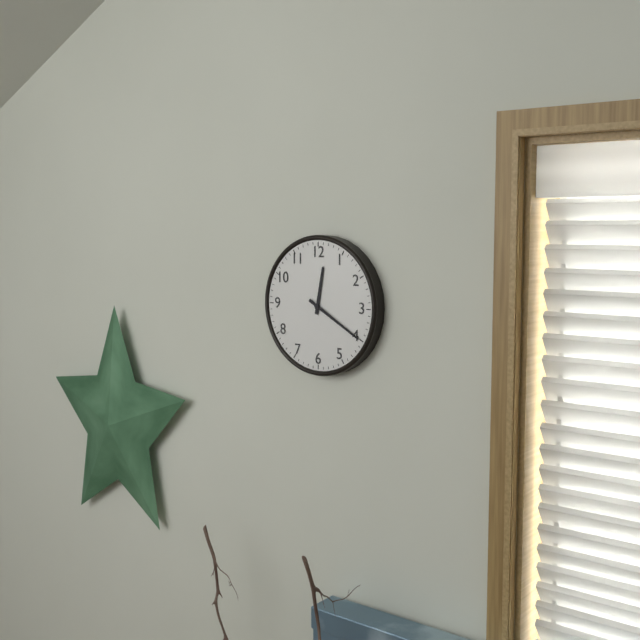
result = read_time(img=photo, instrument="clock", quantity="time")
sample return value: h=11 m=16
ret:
h=12 m=20
